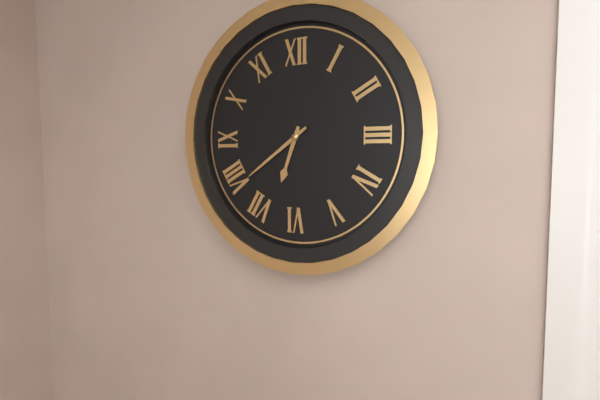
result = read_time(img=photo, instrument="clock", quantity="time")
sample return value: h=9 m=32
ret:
h=6 m=39
